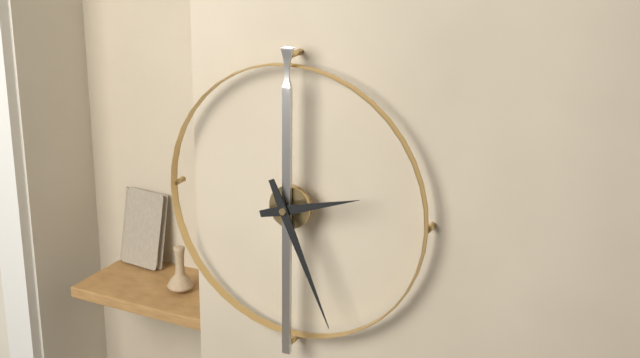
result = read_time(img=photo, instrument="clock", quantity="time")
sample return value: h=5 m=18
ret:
h=2 m=26
